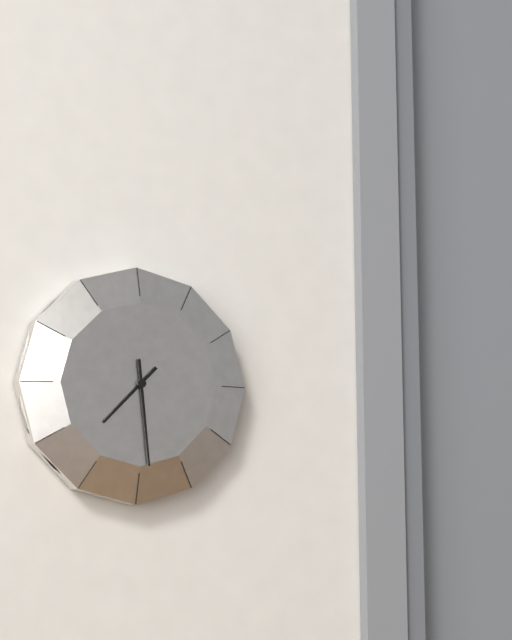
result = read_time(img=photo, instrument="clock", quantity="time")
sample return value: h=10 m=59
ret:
h=7 m=29
